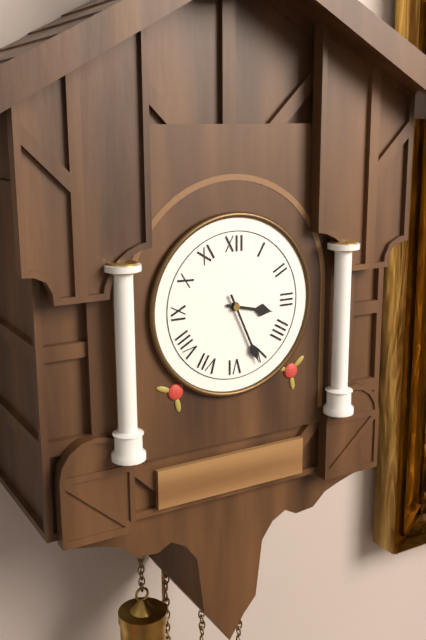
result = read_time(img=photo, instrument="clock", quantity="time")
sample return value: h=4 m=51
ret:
h=3 m=26
